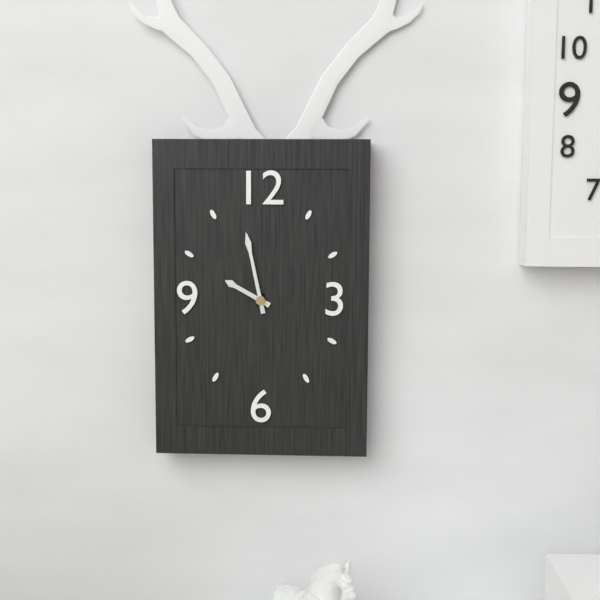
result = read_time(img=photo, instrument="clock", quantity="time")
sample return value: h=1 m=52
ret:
h=9 m=58
